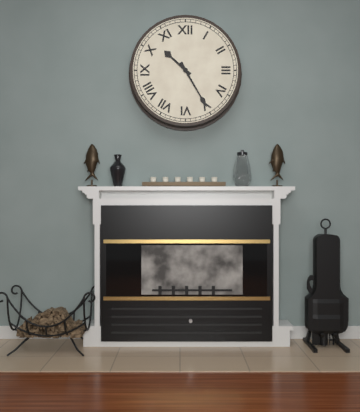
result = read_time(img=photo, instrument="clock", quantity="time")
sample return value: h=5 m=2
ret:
h=10 m=25
